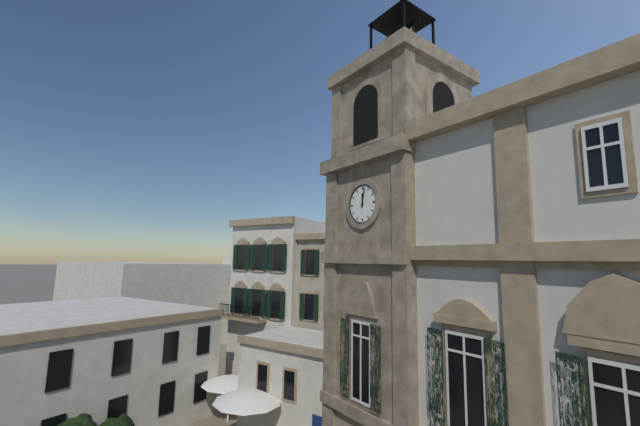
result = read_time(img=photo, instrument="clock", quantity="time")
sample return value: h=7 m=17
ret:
h=12 m=2
